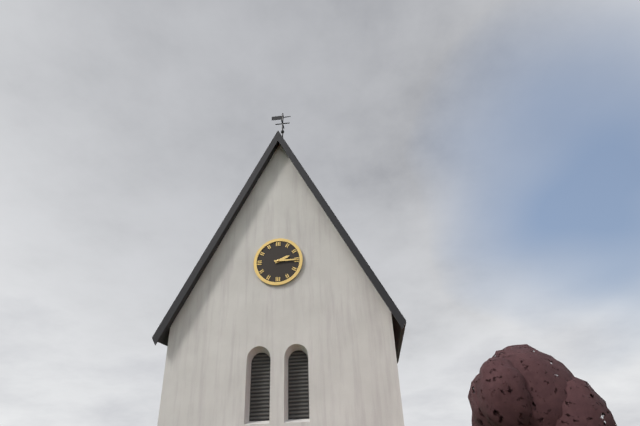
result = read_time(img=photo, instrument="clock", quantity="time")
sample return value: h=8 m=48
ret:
h=2 m=15
